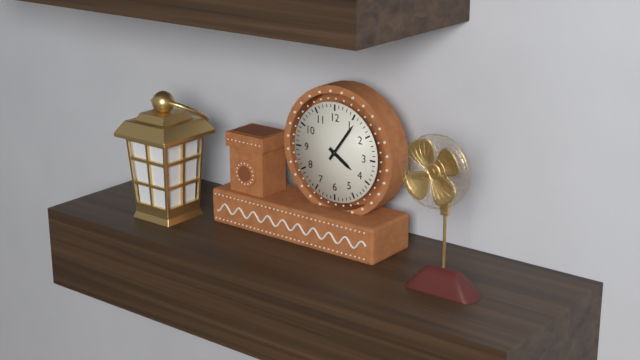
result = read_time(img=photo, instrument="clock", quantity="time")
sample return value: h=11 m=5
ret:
h=4 m=6
